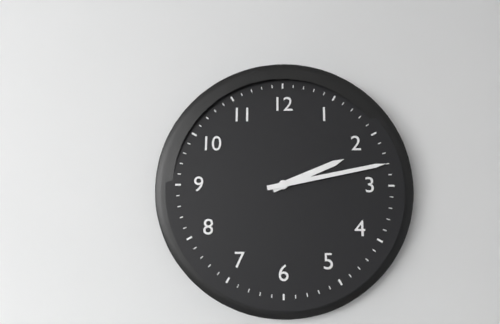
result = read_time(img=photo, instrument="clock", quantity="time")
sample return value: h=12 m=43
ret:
h=2 m=13
